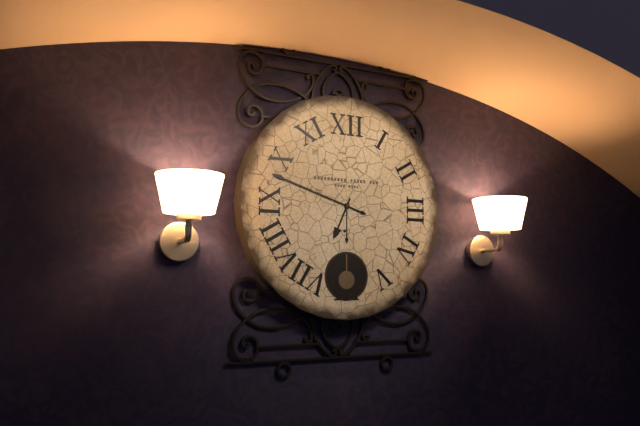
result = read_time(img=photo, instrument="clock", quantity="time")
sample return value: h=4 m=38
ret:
h=6 m=48
